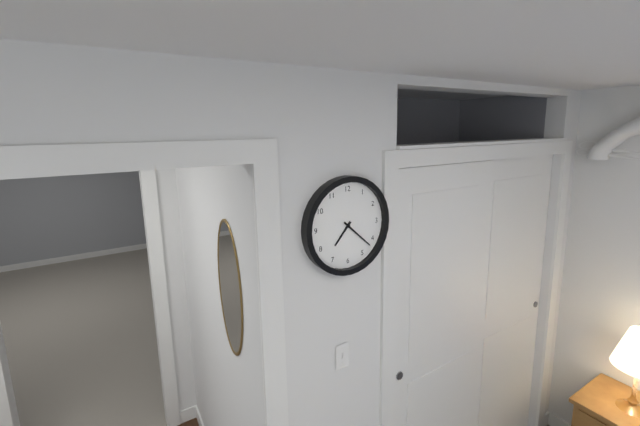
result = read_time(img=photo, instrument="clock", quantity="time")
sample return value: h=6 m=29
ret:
h=7 m=22
